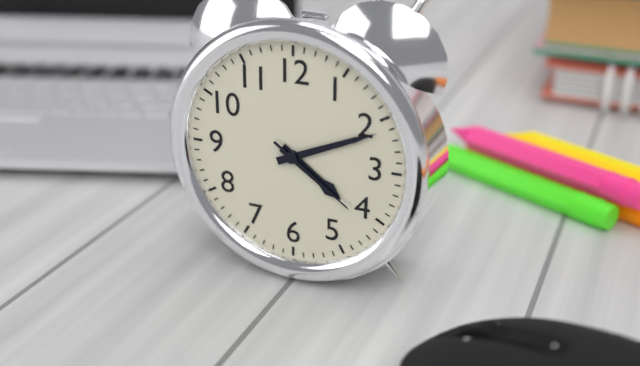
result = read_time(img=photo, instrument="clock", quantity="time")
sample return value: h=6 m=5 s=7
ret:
h=4 m=11 s=21
